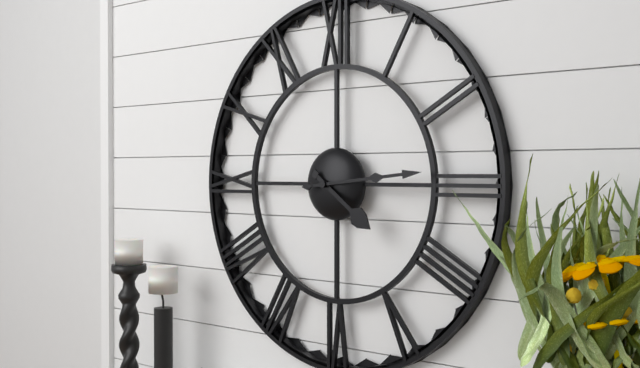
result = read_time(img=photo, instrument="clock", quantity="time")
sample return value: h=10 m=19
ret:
h=4 m=14
